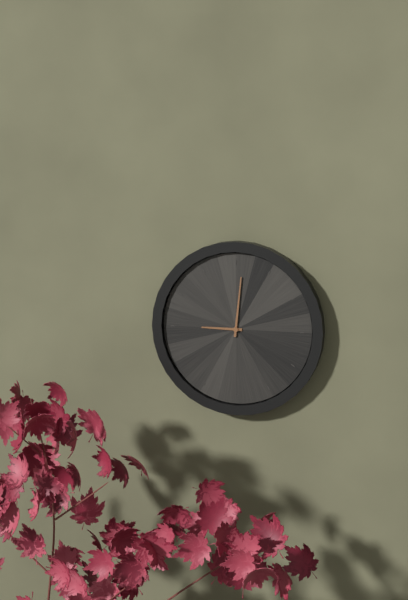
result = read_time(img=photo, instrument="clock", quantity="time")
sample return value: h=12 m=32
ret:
h=9 m=1
